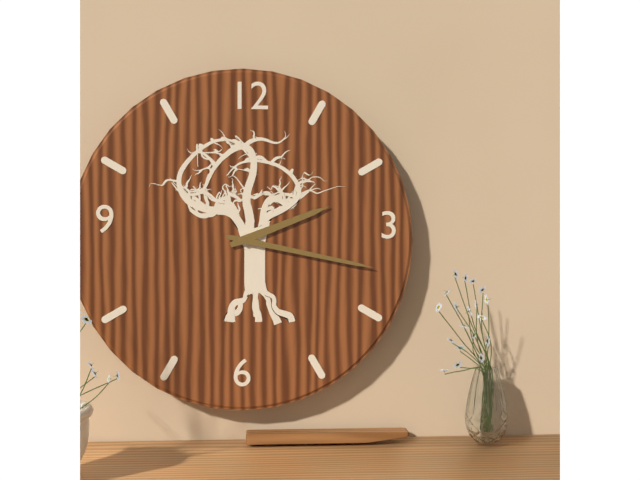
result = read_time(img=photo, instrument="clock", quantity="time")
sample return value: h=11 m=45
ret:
h=2 m=17
